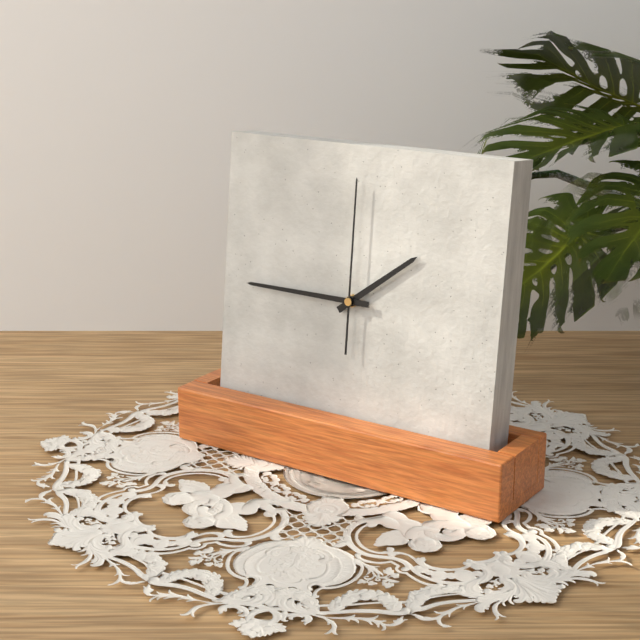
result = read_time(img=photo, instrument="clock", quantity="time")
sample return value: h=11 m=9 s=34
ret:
h=1 m=45 s=0
